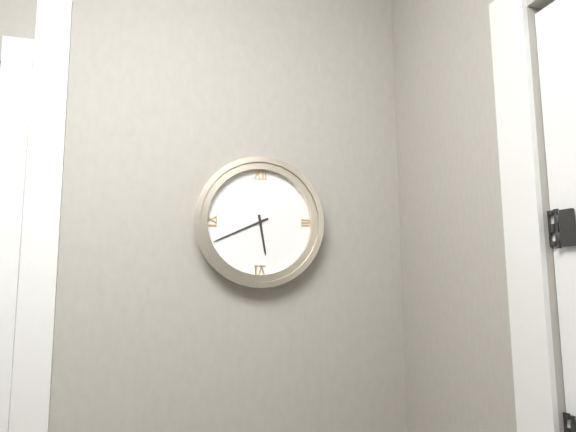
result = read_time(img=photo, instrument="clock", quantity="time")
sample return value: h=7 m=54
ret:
h=5 m=41
